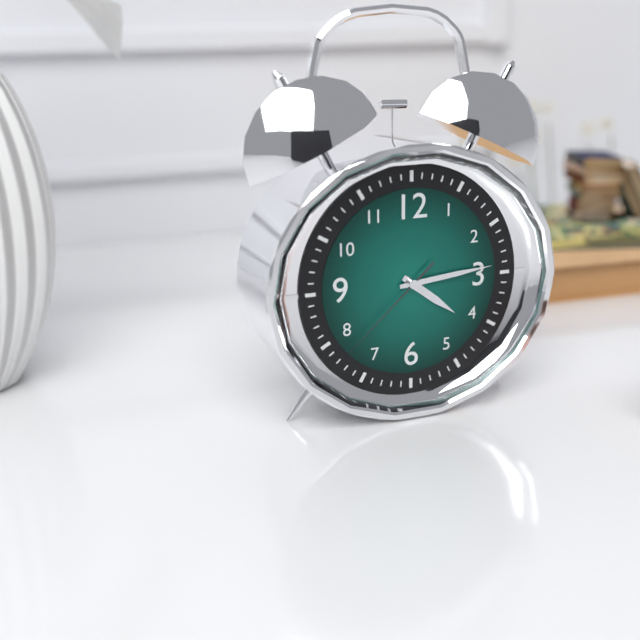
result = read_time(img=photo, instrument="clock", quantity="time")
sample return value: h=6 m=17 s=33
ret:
h=4 m=14 s=38
